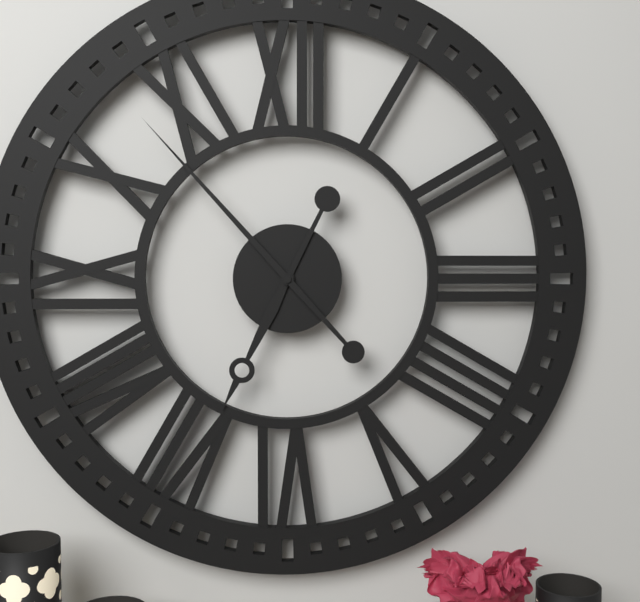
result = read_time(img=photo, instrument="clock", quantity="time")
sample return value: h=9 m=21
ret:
h=6 m=53
